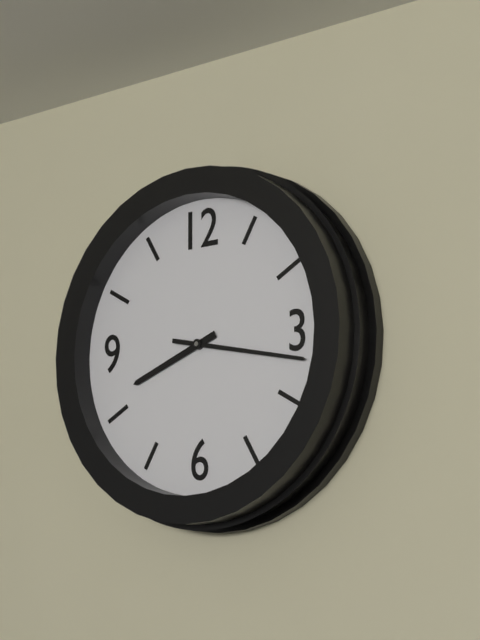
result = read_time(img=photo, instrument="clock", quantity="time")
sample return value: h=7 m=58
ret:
h=8 m=17
